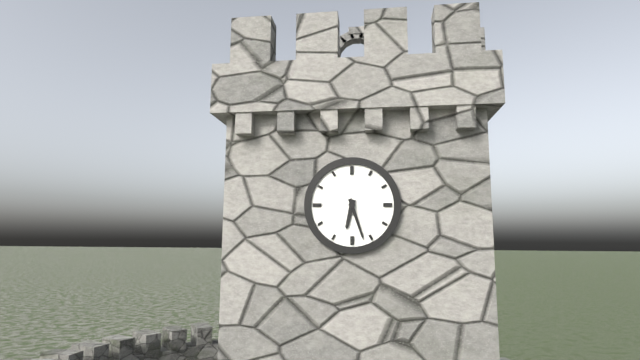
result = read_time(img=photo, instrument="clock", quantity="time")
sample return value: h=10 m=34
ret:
h=6 m=27
